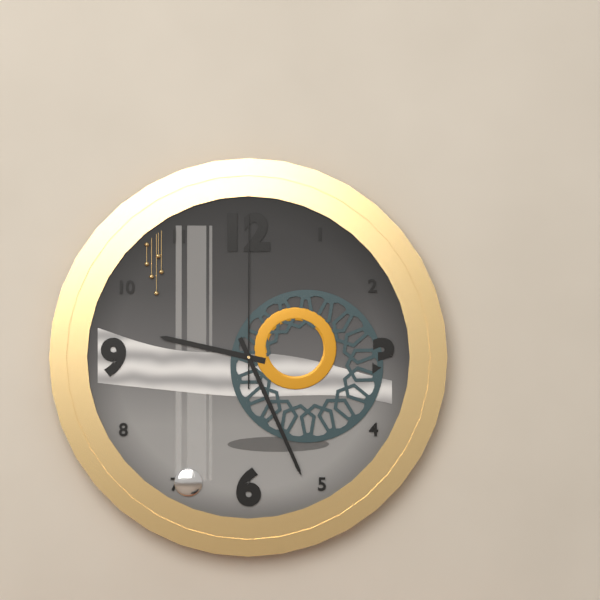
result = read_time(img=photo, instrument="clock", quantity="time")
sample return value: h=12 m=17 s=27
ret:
h=9 m=26 s=0
